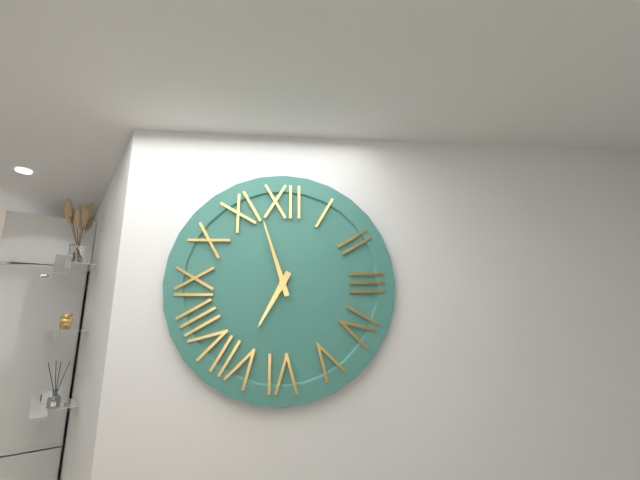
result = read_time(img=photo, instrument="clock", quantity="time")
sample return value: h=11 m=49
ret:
h=6 m=57
